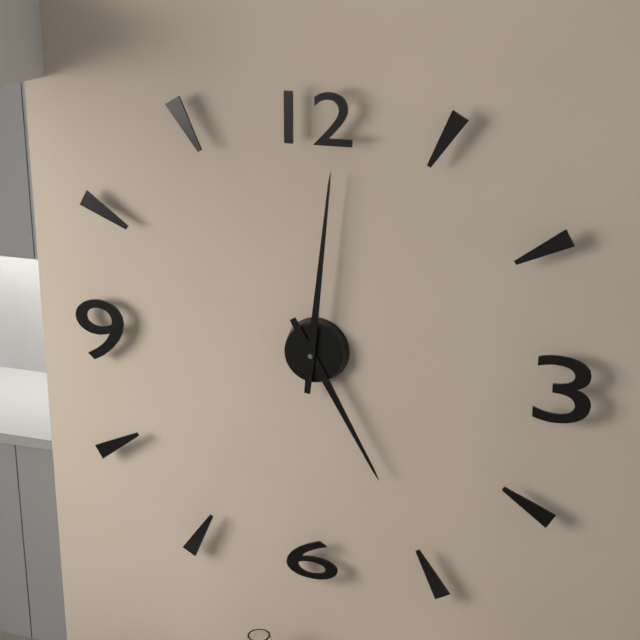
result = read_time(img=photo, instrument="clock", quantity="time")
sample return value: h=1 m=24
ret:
h=5 m=1
